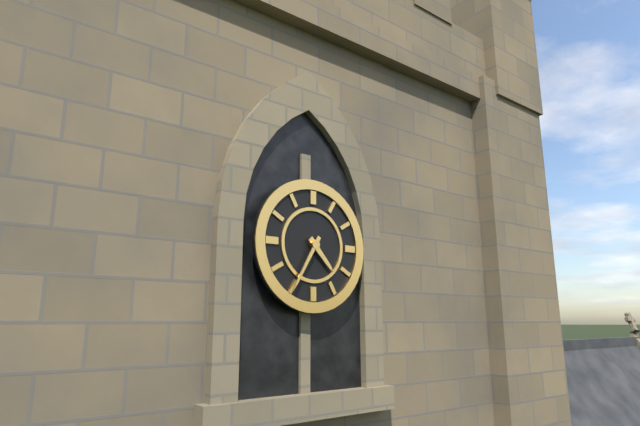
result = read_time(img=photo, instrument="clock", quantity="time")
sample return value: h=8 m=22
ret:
h=4 m=35
